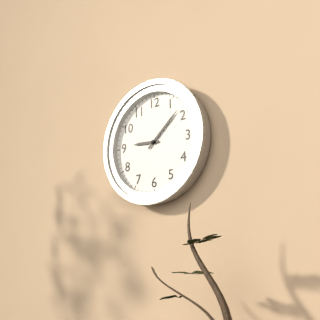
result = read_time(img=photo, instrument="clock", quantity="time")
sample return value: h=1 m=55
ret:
h=9 m=8
